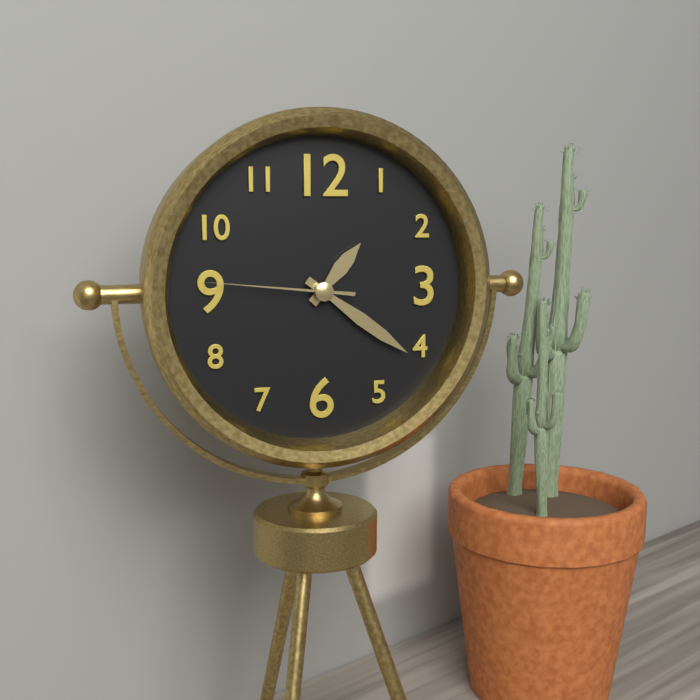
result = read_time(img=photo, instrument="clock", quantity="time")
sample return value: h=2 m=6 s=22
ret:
h=1 m=21 s=46
